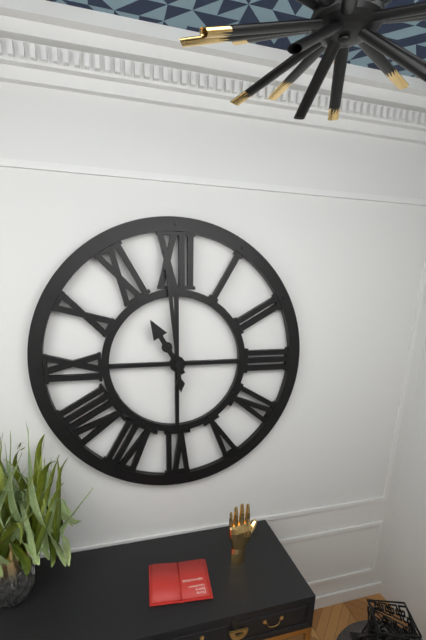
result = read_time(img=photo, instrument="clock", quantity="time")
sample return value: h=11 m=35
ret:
h=10 m=59
